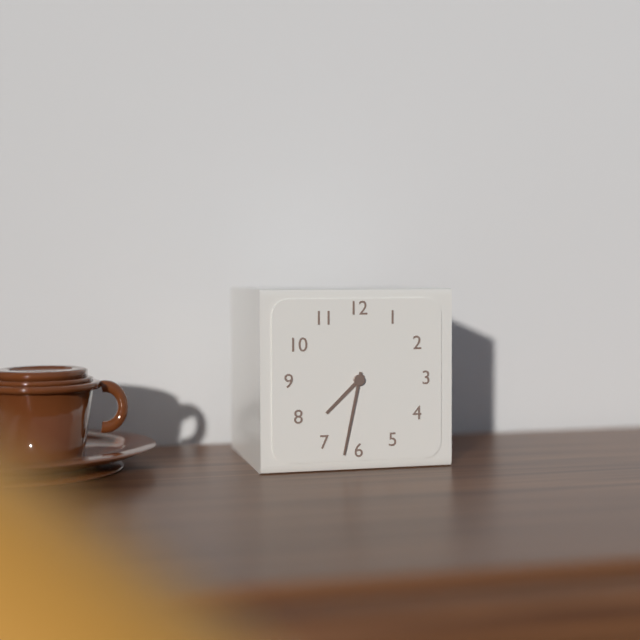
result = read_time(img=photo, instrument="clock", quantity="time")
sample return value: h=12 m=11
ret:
h=7 m=32
